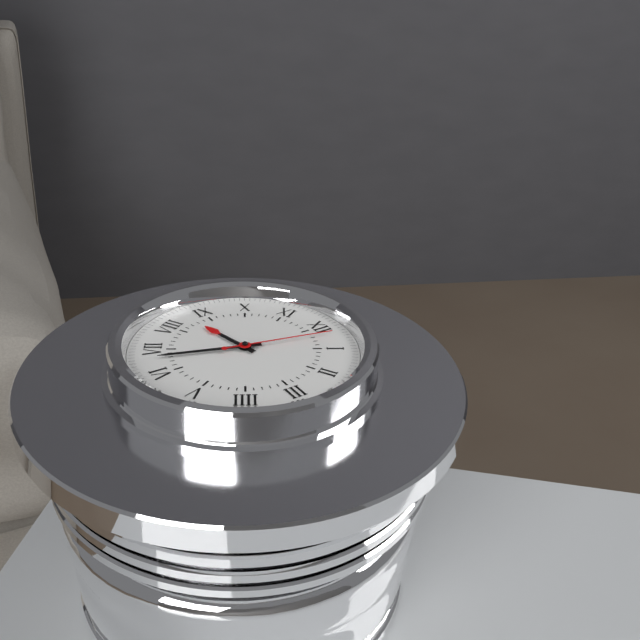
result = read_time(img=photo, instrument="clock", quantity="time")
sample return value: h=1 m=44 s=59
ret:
h=8 m=33 s=2
